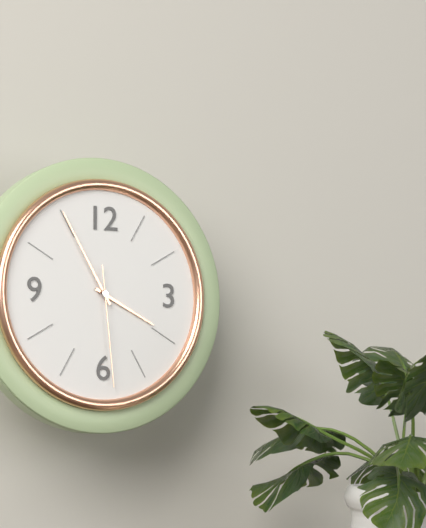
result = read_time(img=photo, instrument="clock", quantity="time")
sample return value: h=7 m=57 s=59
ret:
h=3 m=55 s=29
